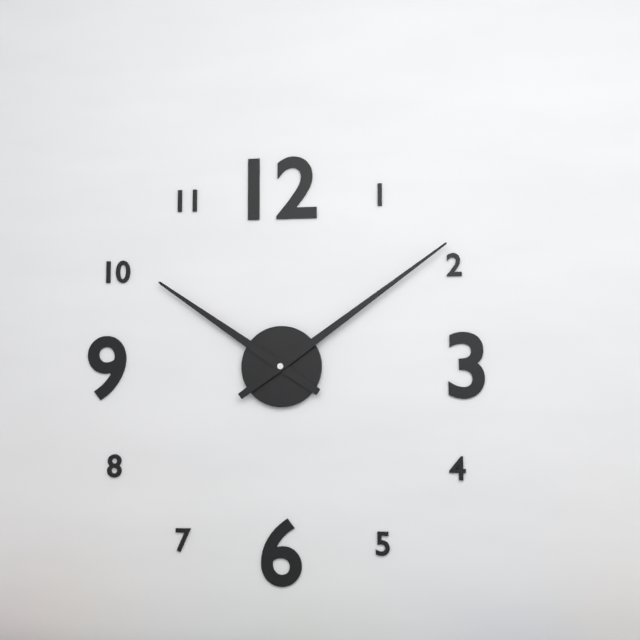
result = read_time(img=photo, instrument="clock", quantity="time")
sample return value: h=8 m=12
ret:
h=10 m=9
